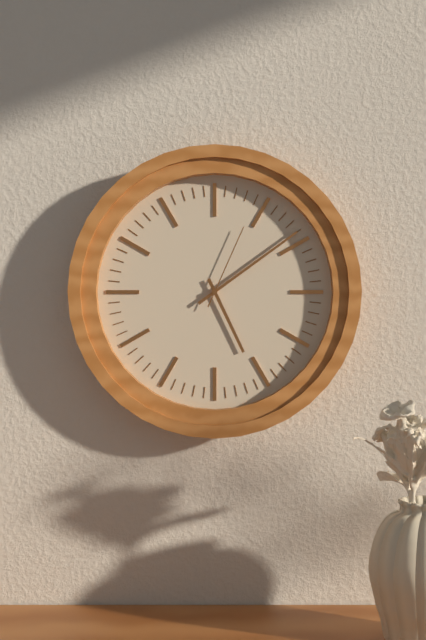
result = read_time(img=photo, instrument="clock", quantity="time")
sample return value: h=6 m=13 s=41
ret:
h=5 m=9 s=4
